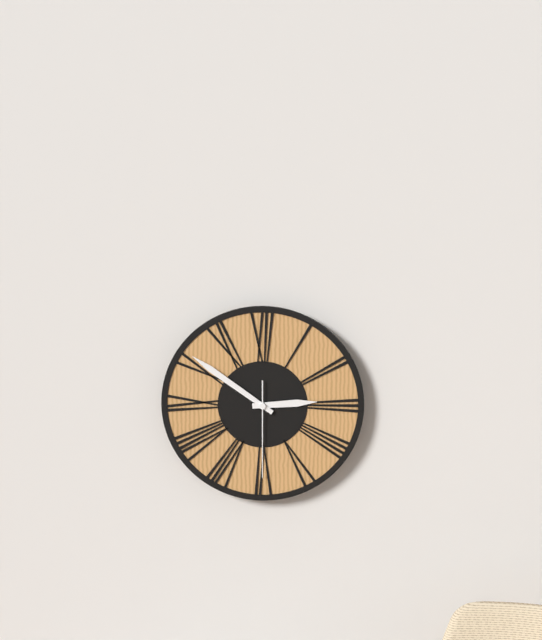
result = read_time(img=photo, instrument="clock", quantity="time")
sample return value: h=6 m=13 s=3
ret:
h=2 m=51 s=30
